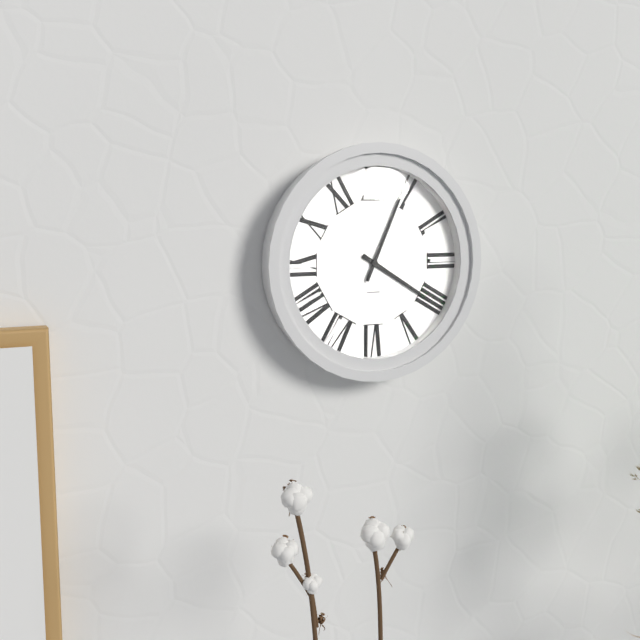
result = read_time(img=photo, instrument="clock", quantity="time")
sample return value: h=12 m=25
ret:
h=4 m=4
